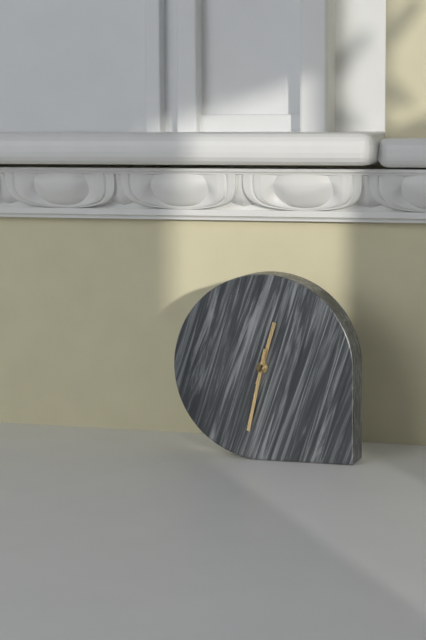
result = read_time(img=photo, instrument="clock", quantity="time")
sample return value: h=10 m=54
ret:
h=12 m=32
